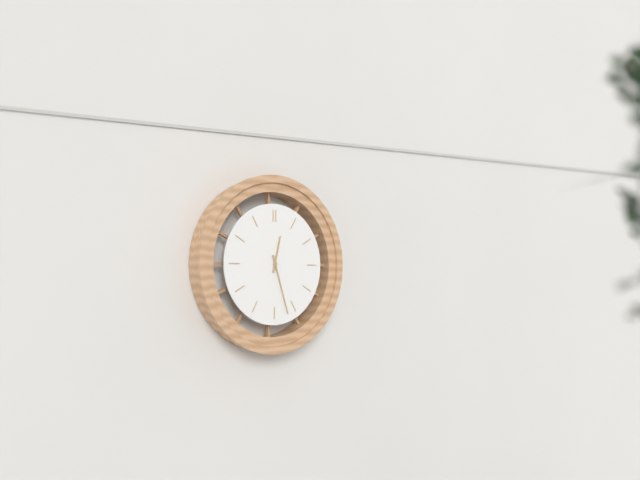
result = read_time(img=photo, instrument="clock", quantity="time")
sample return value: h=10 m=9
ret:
h=12 m=27
